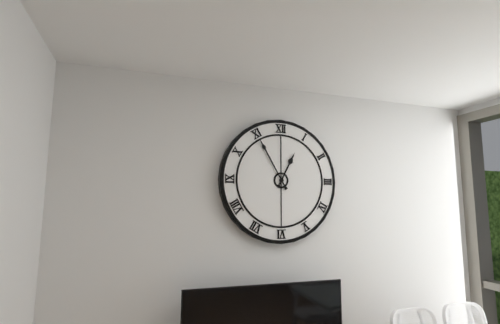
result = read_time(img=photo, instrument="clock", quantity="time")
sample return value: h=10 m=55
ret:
h=12 m=55
